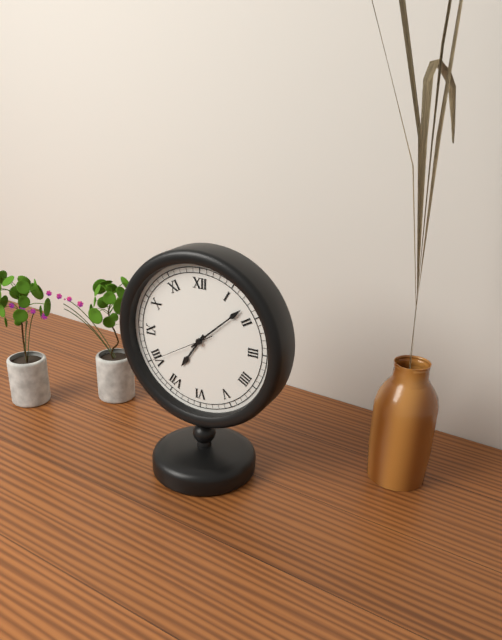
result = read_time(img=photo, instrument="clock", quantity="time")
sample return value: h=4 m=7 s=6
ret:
h=7 m=8 s=40
